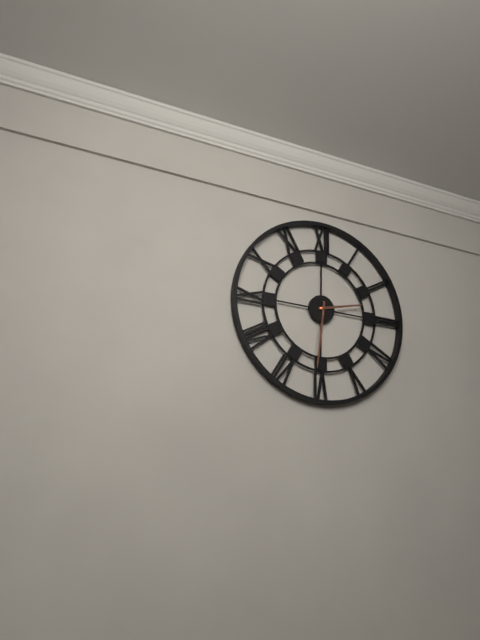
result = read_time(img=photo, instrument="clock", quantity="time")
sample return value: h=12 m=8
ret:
h=2 m=31
